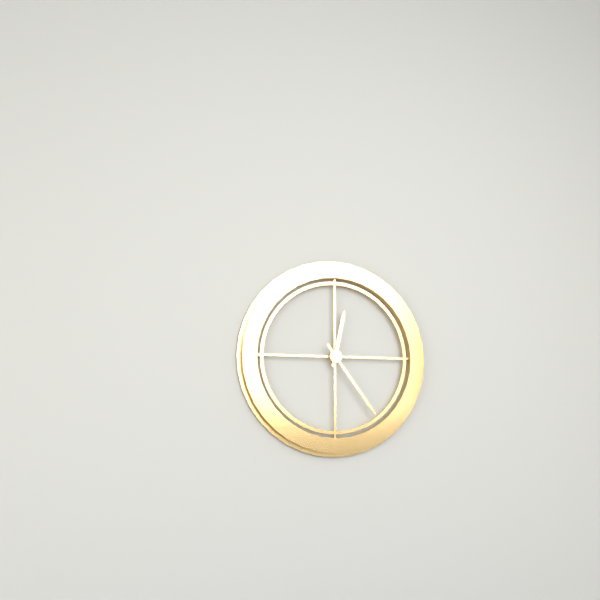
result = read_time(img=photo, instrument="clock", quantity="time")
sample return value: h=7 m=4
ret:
h=12 m=24
